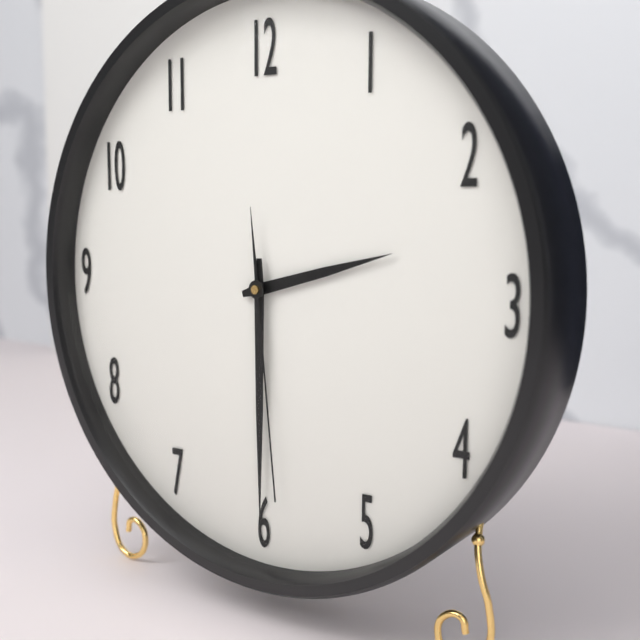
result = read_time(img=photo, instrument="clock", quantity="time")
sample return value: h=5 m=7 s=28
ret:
h=2 m=30 s=29
